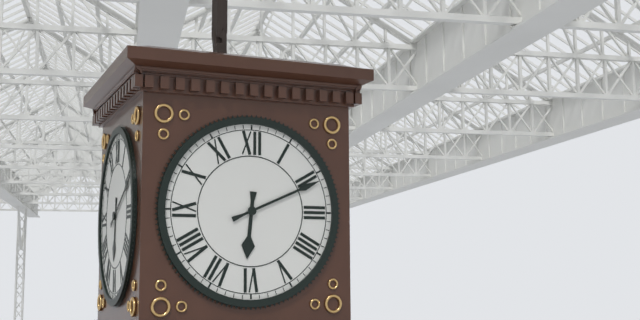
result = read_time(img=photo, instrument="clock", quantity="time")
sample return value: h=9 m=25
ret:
h=6 m=11
